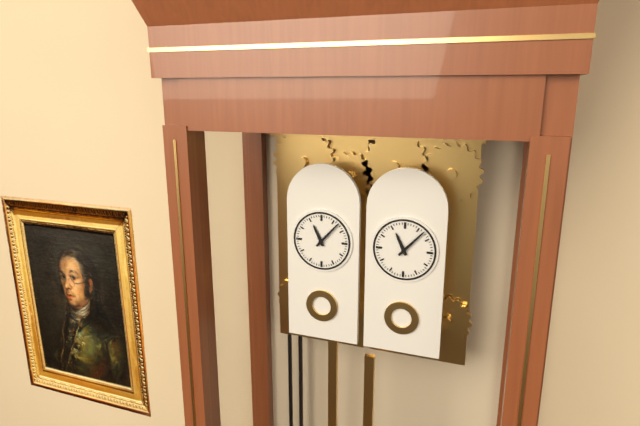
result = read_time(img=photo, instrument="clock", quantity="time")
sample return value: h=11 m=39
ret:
h=11 m=7
